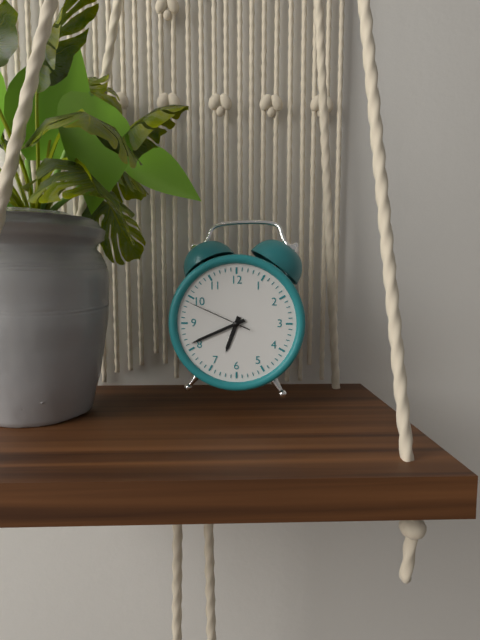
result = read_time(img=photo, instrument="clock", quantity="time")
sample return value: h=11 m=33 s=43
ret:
h=6 m=41 s=49
